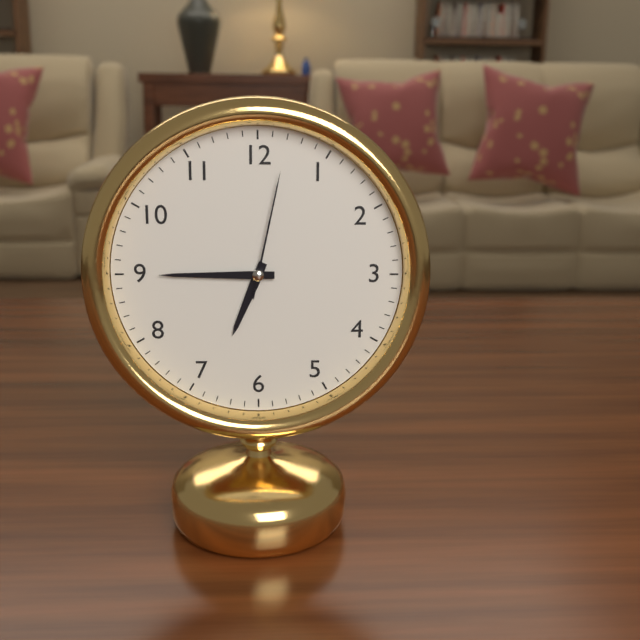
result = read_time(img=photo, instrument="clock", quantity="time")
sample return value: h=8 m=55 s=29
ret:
h=6 m=45 s=2
